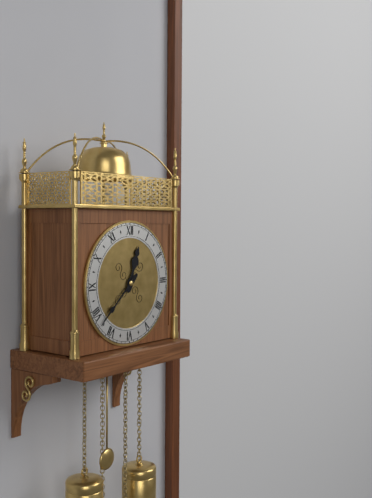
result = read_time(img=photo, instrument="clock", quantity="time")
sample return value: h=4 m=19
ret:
h=12 m=38
